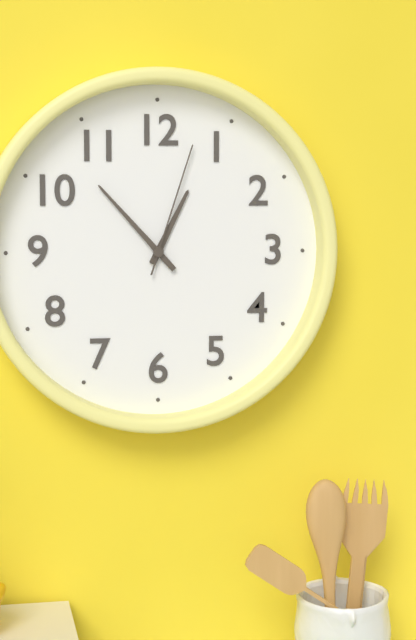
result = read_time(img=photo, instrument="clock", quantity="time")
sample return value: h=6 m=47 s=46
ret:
h=12 m=53 s=3
